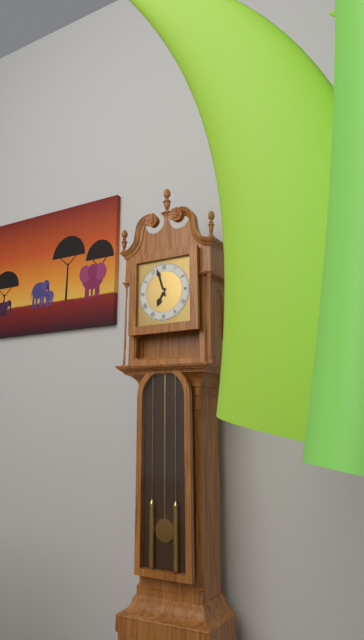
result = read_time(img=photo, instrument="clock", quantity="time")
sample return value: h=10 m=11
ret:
h=6 m=57
